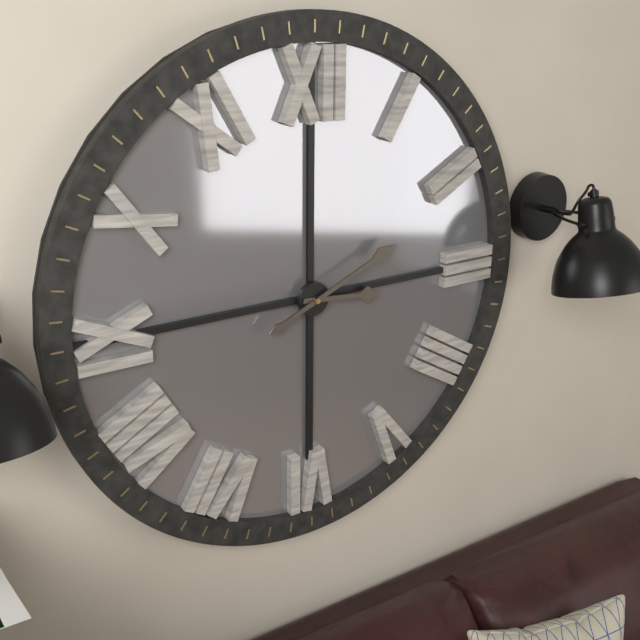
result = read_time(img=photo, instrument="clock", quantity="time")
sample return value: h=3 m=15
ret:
h=3 m=11
